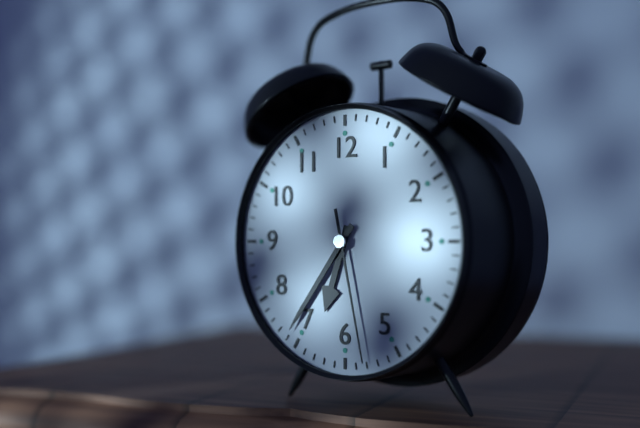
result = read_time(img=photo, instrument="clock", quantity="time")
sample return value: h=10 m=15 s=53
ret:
h=6 m=36 s=28
